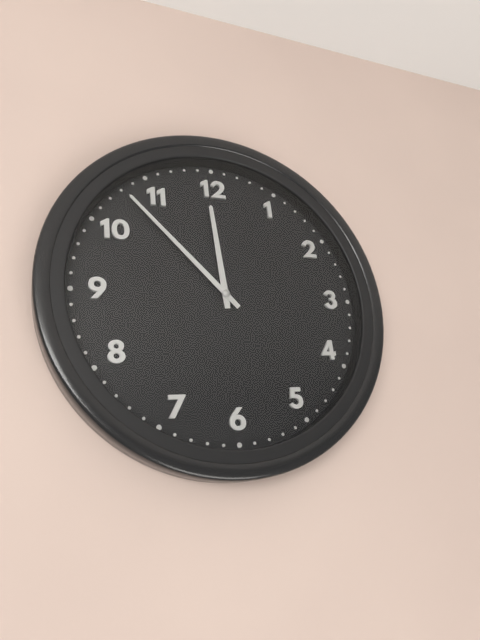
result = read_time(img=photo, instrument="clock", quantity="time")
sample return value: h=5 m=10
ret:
h=11 m=53
